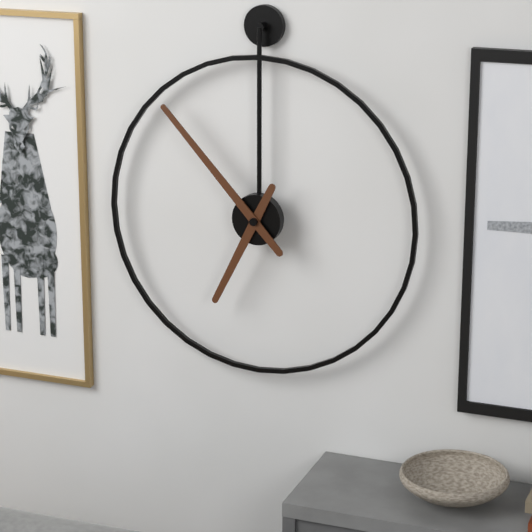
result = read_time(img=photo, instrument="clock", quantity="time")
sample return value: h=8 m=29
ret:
h=6 m=53
